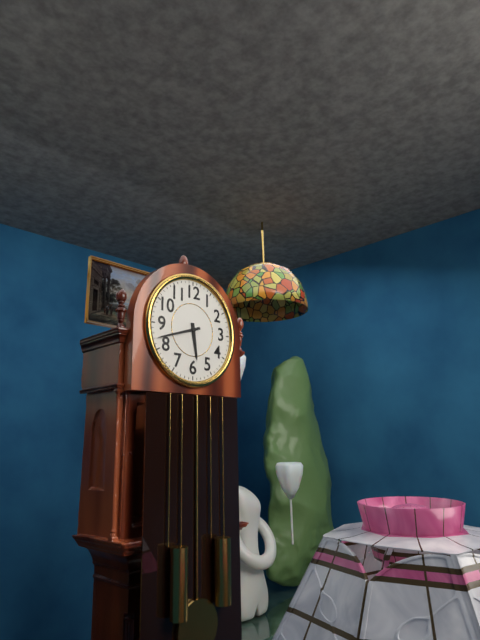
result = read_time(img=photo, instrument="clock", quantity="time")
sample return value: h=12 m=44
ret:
h=5 m=42
